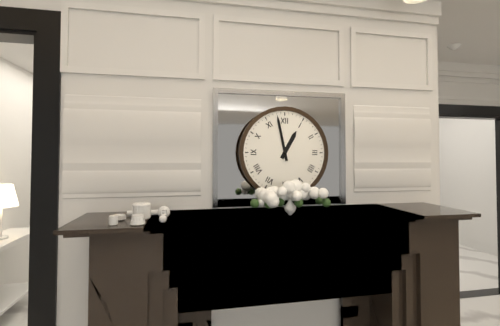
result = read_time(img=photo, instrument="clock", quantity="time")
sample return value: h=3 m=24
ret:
h=12 m=58
